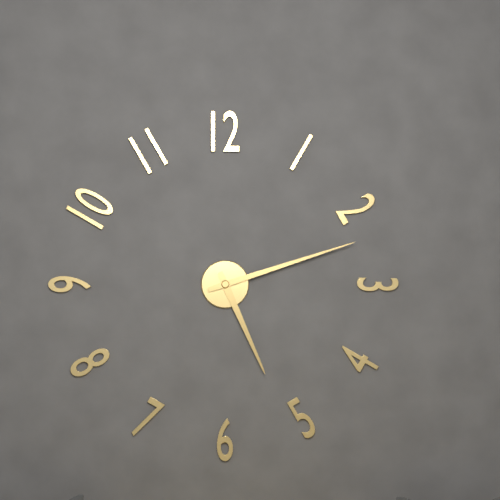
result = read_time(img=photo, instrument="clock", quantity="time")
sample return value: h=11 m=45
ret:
h=5 m=12
